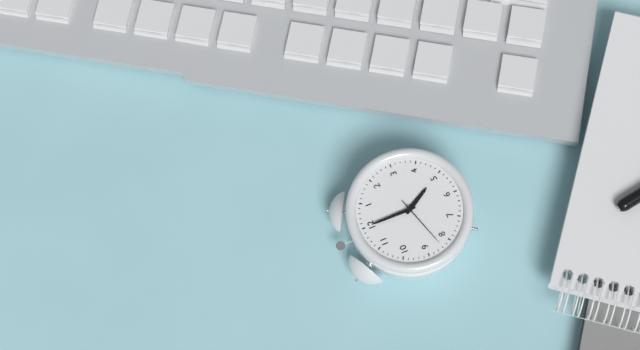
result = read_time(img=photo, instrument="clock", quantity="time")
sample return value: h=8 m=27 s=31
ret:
h=5 m=0 s=42
